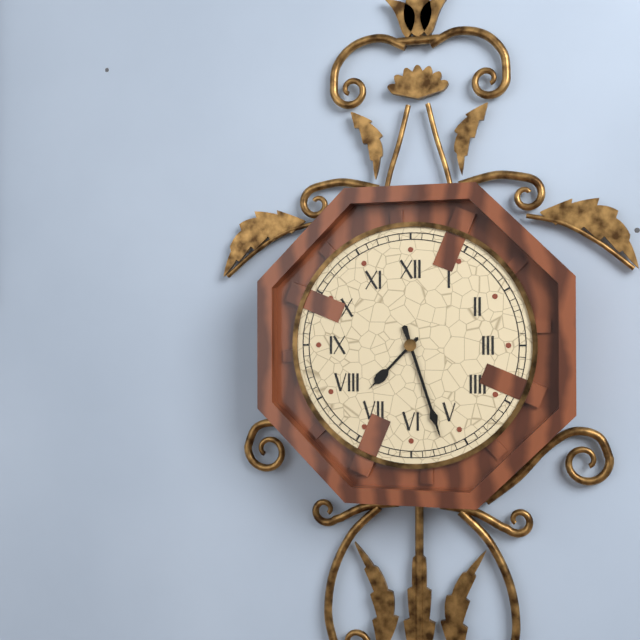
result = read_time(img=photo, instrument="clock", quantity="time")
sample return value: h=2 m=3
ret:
h=7 m=27
